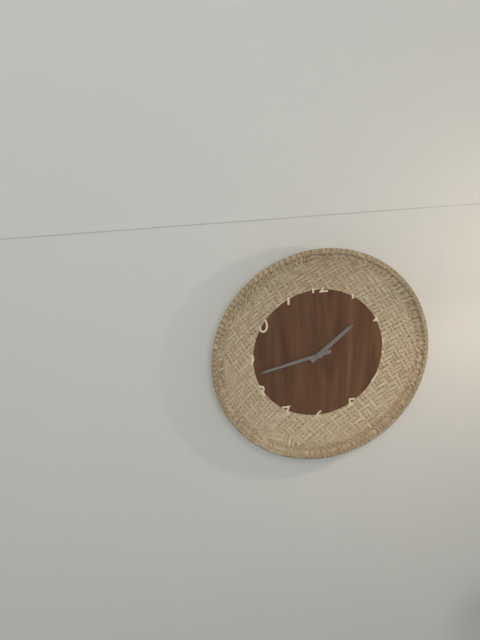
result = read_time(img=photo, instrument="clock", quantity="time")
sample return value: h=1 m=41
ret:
h=1 m=43
